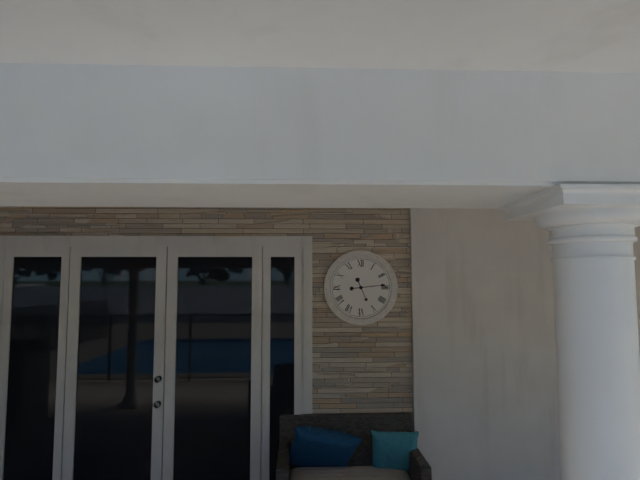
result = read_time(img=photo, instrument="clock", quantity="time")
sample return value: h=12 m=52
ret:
h=5 m=14
